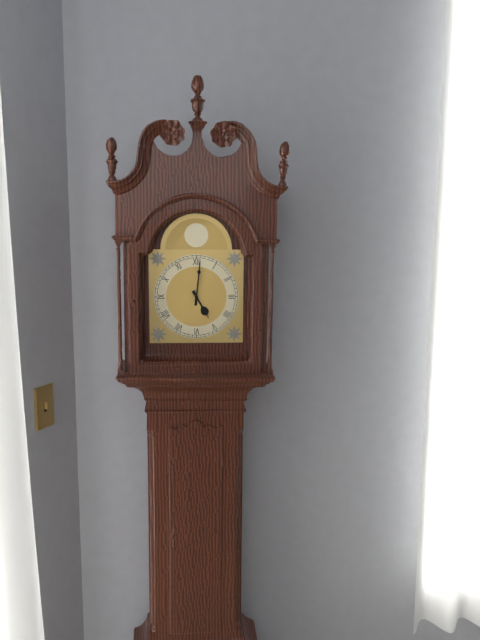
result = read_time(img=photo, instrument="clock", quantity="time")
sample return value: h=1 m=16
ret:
h=5 m=1
